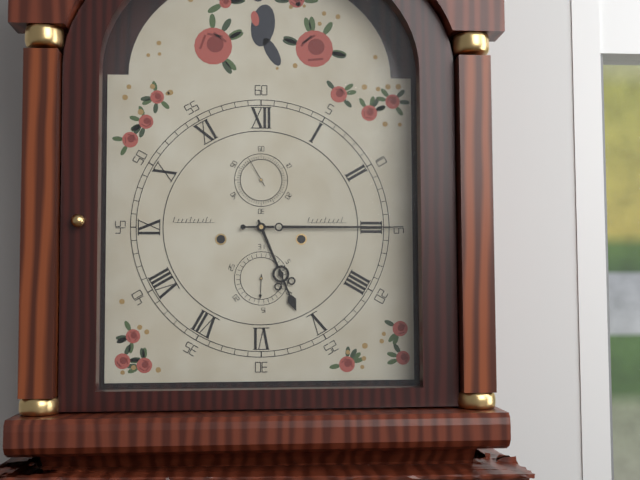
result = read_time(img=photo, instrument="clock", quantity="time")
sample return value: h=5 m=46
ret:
h=5 m=15
